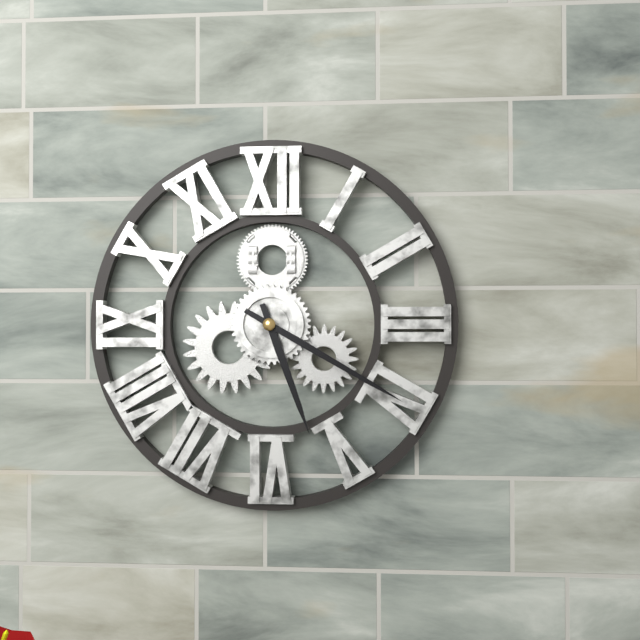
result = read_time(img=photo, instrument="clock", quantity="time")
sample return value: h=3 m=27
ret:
h=5 m=20
